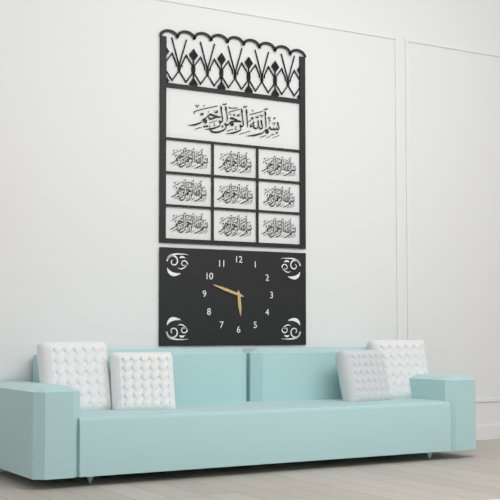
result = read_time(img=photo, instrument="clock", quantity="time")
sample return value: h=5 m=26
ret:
h=5 m=48
